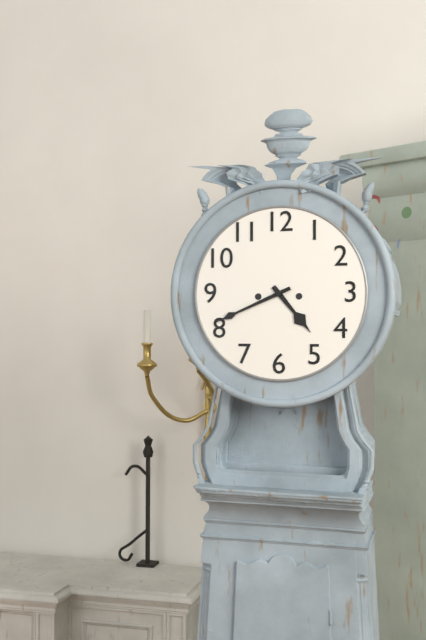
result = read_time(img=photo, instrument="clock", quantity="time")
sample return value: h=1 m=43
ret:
h=4 m=41
